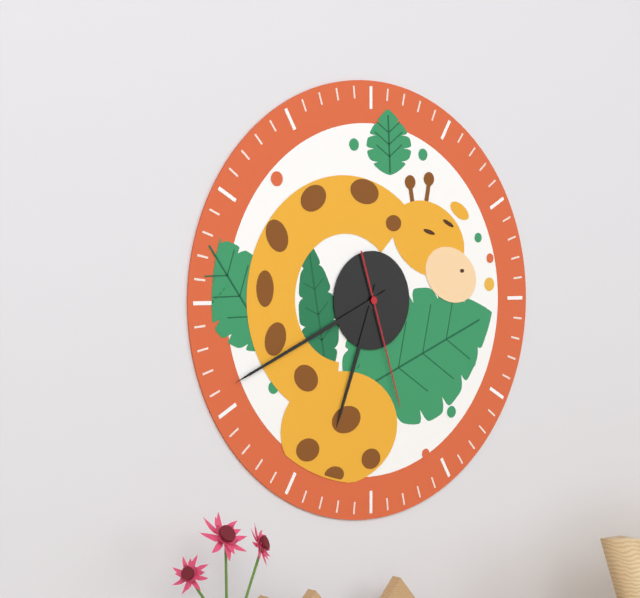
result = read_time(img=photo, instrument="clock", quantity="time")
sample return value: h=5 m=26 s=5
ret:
h=6 m=41 s=27
